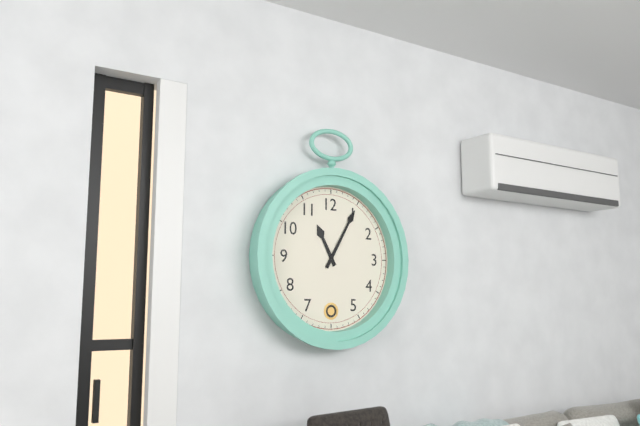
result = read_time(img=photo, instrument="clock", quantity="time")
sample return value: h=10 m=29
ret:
h=11 m=5
